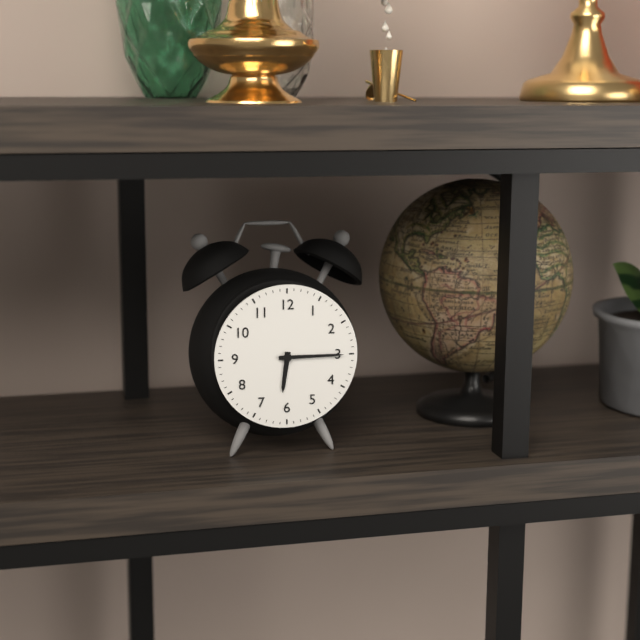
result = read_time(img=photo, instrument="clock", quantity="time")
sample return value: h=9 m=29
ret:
h=6 m=15
